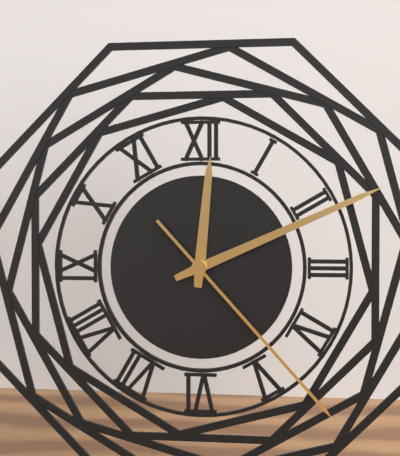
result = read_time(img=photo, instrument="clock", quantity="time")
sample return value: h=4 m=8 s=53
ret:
h=12 m=11 s=23
